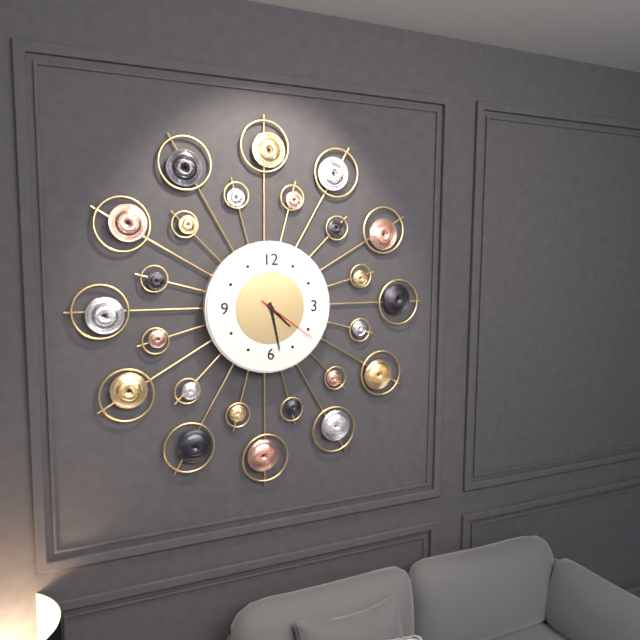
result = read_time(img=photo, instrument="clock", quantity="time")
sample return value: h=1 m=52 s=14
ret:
h=4 m=28 s=21
